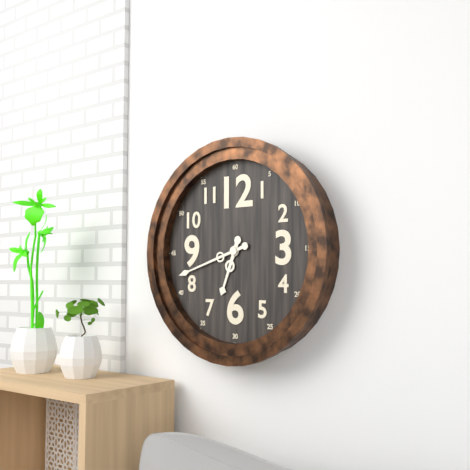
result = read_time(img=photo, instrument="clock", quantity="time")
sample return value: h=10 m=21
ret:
h=6 m=42
